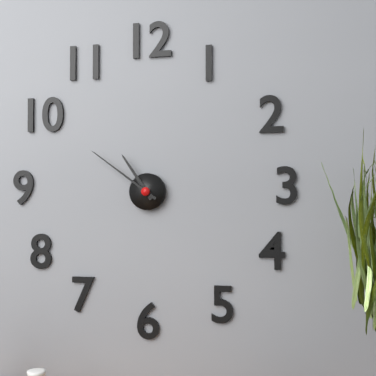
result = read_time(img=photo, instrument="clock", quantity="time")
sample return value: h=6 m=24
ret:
h=10 m=51
